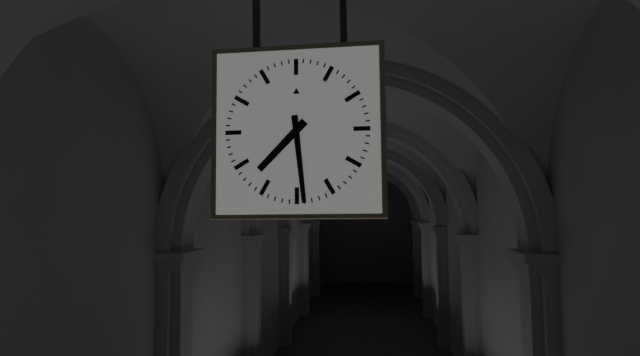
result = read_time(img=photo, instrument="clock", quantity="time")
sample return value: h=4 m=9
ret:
h=7 m=29
